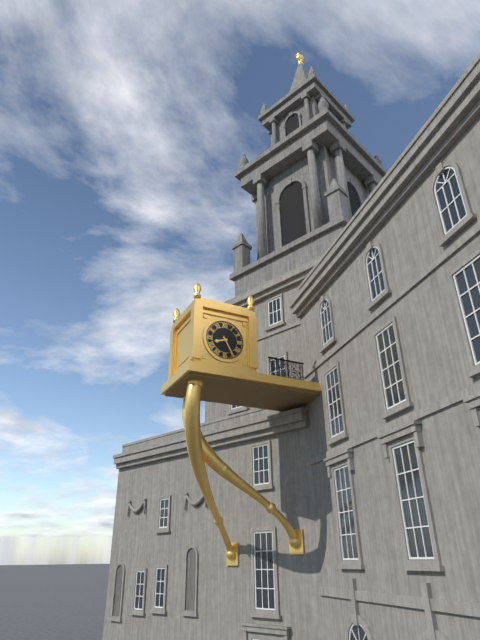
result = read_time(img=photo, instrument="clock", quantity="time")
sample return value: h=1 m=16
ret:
h=8 m=25
